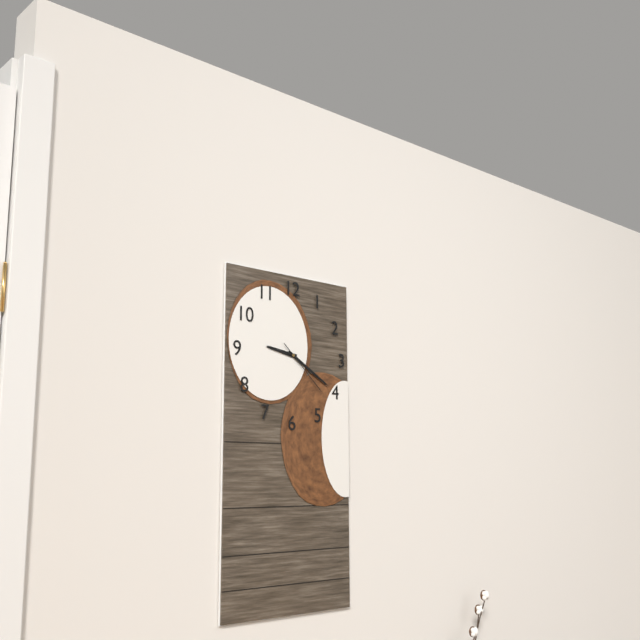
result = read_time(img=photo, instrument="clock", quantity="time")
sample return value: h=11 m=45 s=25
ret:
h=9 m=20 s=22
